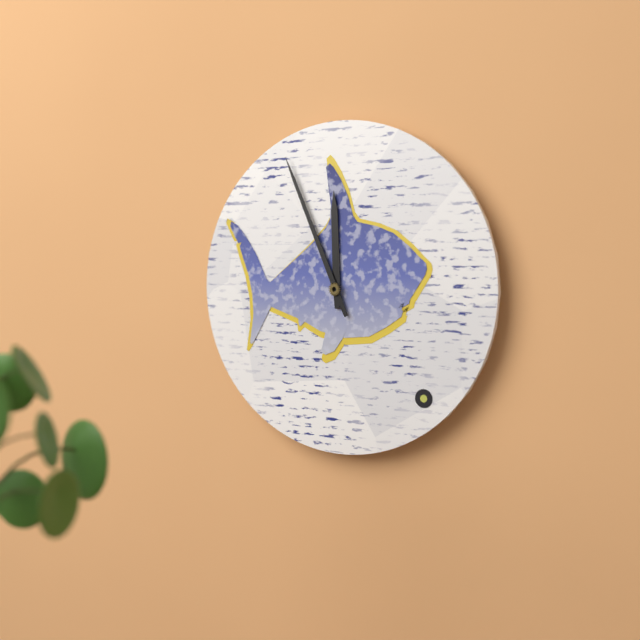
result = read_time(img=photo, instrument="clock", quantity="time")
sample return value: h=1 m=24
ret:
h=11 m=56
